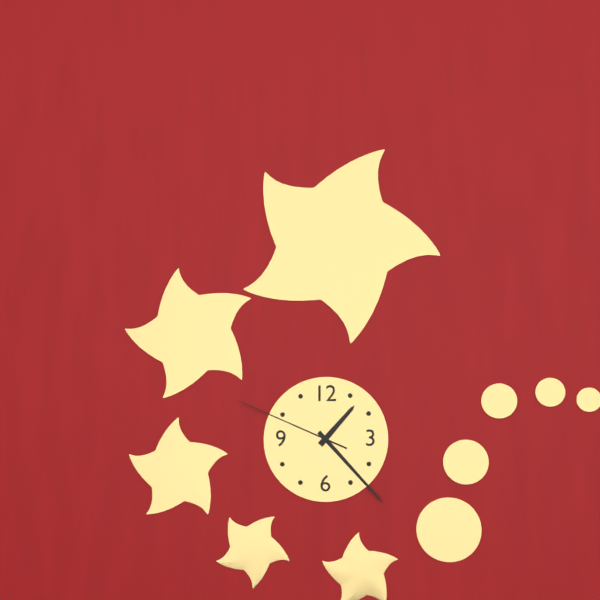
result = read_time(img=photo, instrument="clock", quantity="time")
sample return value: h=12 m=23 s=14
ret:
h=1 m=23 s=49
